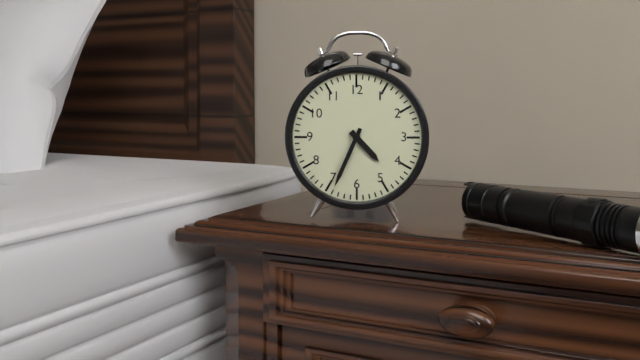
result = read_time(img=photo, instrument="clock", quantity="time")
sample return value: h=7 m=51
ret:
h=4 m=34
